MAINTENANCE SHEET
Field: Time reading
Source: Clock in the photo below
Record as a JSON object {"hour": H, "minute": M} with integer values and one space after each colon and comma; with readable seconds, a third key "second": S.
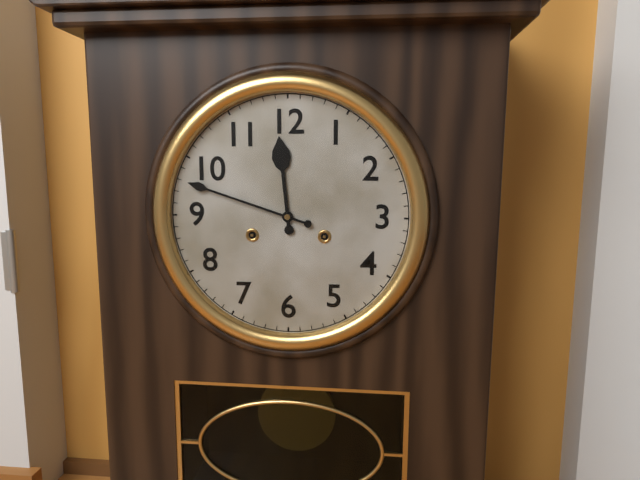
{"hour": 11, "minute": 48}
